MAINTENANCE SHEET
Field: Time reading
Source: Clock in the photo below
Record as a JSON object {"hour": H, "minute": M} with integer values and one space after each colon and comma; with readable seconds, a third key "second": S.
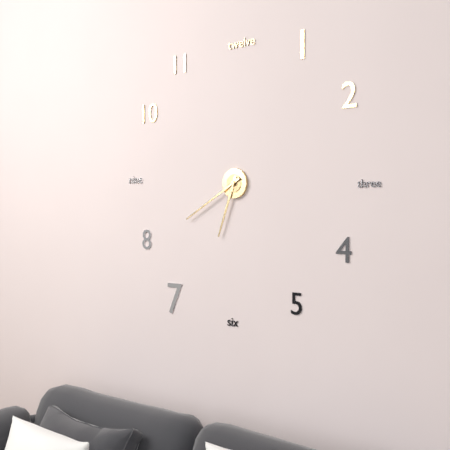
{"hour": 6, "minute": 40}
